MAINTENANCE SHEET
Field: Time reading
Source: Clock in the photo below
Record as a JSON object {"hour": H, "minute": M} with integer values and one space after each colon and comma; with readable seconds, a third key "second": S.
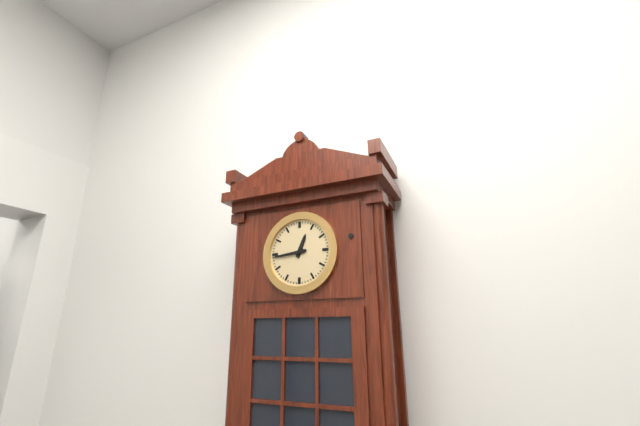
{"hour": 12, "minute": 44}
